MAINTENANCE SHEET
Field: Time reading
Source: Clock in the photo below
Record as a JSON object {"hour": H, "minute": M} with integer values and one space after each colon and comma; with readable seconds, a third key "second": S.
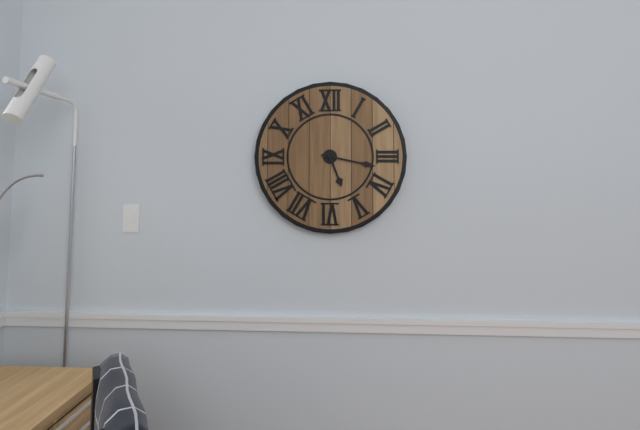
{"hour": 5, "minute": 17}
